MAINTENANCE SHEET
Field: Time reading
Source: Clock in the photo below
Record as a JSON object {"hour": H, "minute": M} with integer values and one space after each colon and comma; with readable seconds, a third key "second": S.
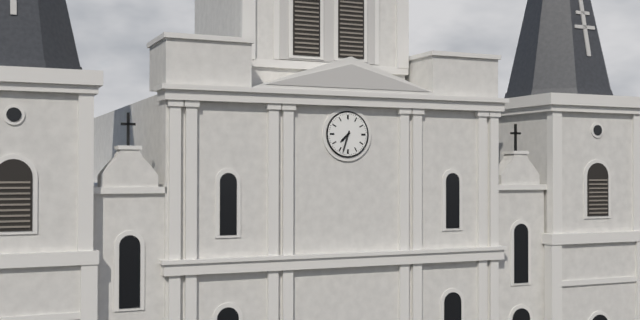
{"hour": 7, "minute": 33}
